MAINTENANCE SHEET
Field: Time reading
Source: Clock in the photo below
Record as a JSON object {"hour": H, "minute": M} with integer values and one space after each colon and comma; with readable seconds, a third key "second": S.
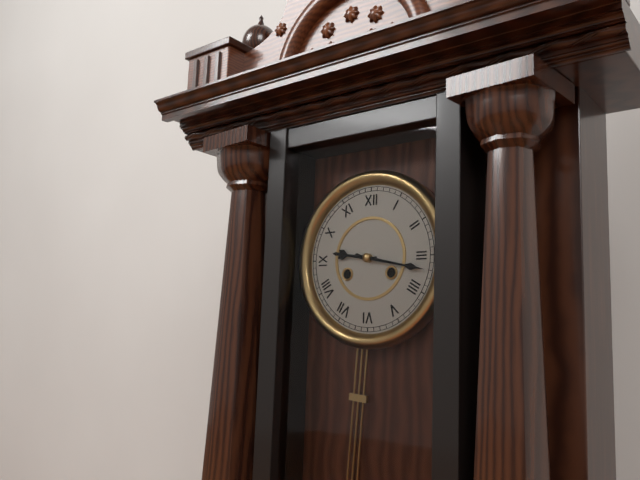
{"hour": 9, "minute": 17}
